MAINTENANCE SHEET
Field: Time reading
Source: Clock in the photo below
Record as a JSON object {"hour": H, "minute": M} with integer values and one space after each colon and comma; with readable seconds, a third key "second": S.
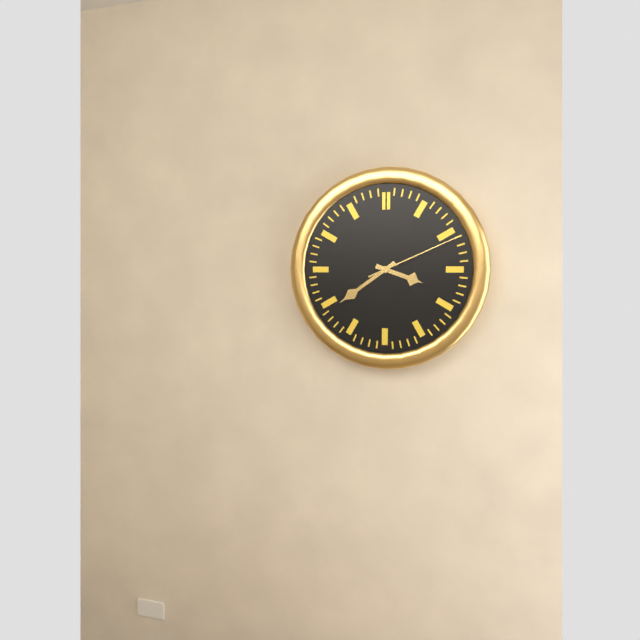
{"hour": 3, "minute": 39, "second": 11}
